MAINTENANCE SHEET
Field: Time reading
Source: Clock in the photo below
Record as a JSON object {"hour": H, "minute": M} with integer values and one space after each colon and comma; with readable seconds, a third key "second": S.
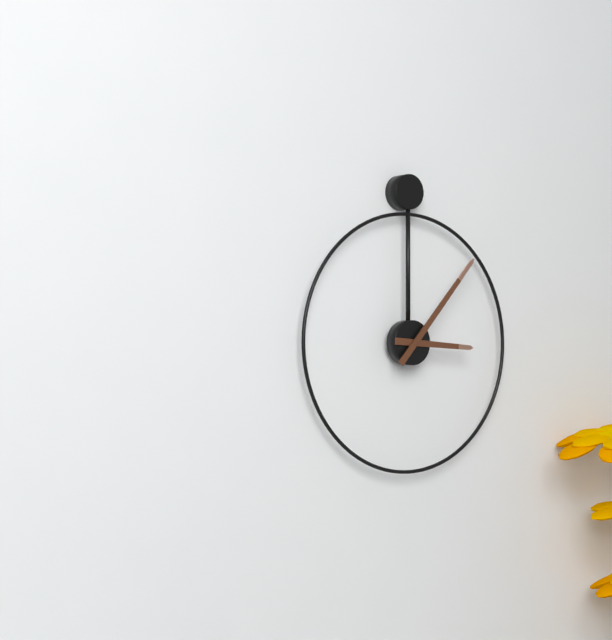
{"hour": 3, "minute": 7}
